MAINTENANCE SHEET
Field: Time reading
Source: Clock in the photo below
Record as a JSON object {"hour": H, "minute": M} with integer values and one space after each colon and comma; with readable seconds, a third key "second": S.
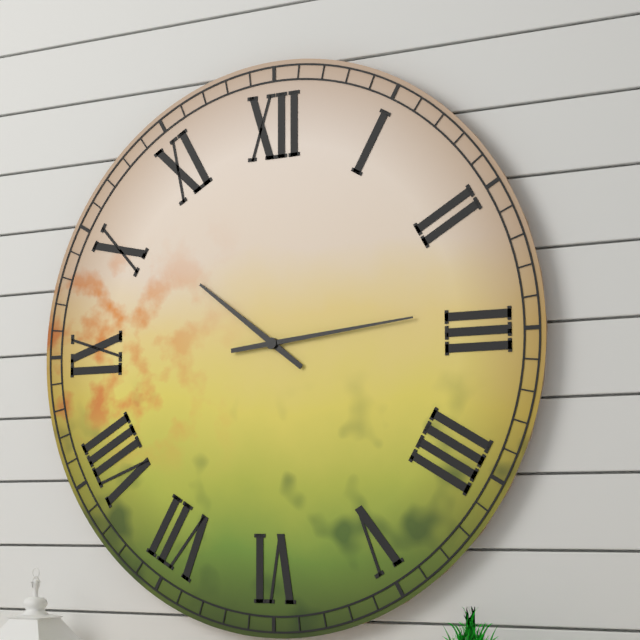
{"hour": 10, "minute": 14}
